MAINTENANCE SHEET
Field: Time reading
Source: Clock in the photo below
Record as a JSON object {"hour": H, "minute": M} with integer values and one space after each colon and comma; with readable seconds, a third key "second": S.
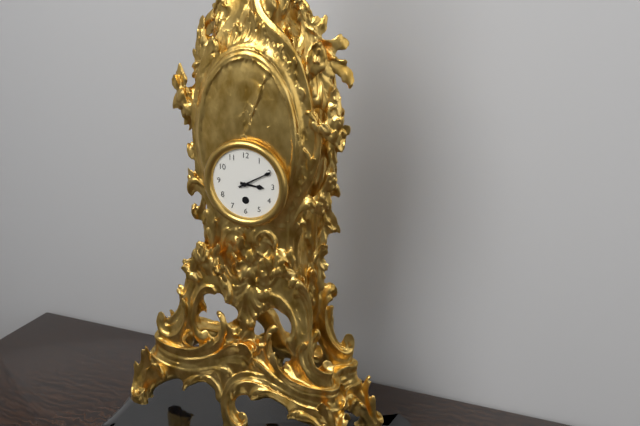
{"hour": 3, "minute": 10}
